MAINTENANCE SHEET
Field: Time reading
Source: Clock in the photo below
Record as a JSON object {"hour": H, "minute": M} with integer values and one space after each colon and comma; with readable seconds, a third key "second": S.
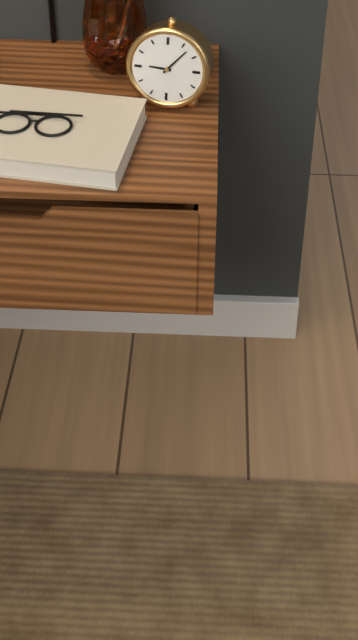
{"hour": 9, "minute": 7}
